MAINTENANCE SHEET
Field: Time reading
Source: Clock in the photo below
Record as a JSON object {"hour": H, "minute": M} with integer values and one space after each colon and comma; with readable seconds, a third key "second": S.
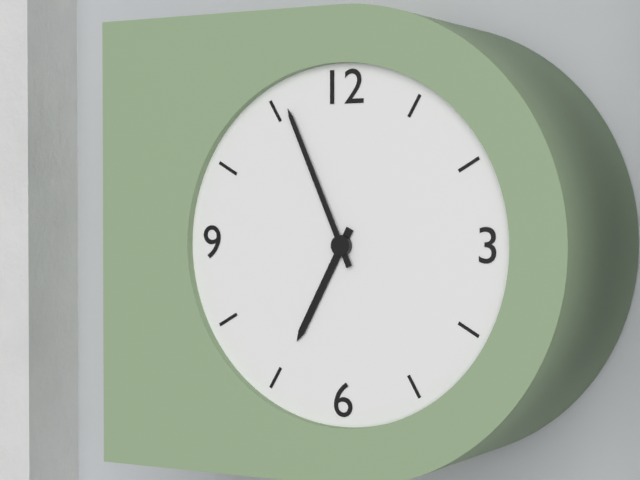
{"hour": 6, "minute": 56}
